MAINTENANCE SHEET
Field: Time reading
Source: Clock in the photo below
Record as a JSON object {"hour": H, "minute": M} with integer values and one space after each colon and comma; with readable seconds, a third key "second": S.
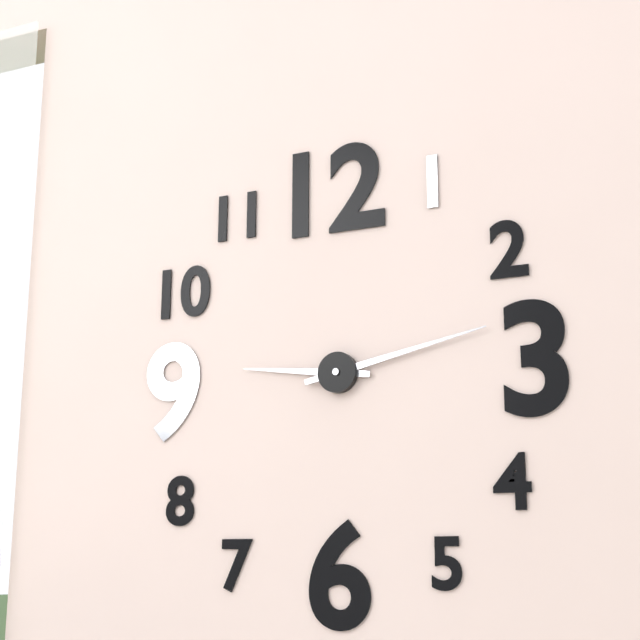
{"hour": 9, "minute": 13}
